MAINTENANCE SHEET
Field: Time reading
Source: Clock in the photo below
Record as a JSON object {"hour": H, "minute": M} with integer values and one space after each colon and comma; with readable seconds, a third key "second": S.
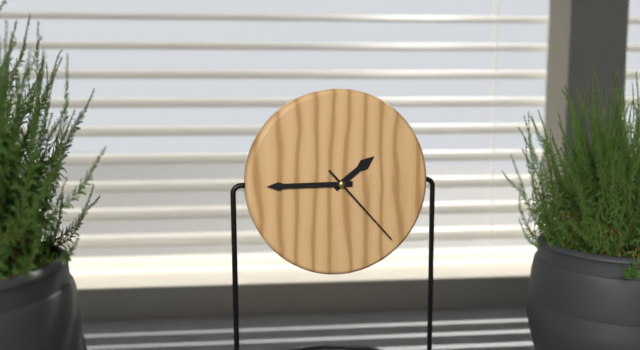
{"hour": 1, "minute": 45, "second": 23}
